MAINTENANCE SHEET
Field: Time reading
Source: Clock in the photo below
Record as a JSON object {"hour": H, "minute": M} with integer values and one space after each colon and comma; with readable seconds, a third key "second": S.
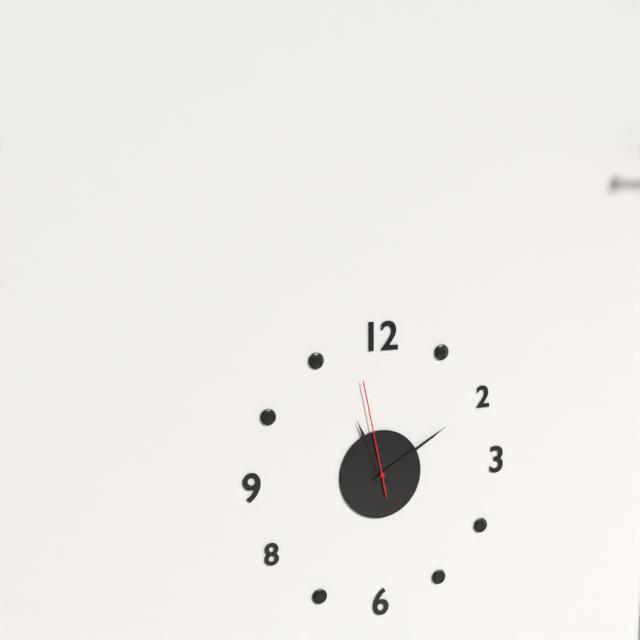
{"hour": 11, "minute": 10, "second": 58}
